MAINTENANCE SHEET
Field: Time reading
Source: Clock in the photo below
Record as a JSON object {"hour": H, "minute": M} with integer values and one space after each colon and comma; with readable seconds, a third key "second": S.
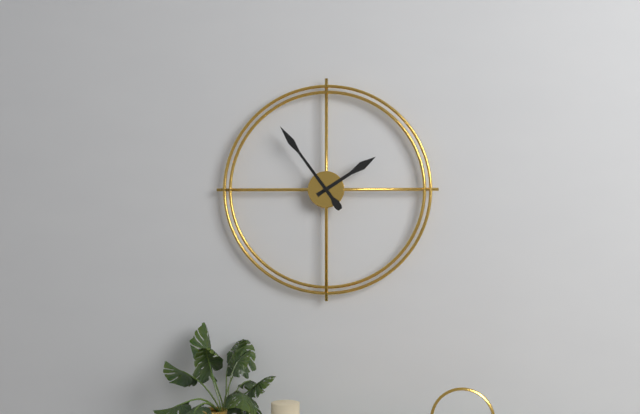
{"hour": 1, "minute": 54}
